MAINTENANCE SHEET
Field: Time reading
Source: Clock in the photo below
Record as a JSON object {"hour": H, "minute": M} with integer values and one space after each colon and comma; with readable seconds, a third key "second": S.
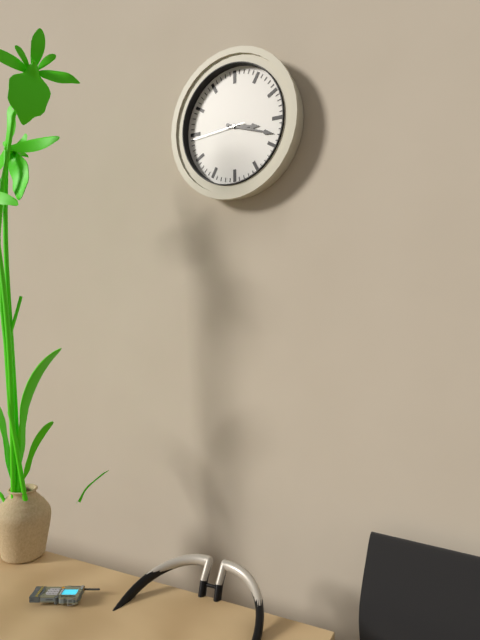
{"hour": 3, "minute": 18, "second": 44}
